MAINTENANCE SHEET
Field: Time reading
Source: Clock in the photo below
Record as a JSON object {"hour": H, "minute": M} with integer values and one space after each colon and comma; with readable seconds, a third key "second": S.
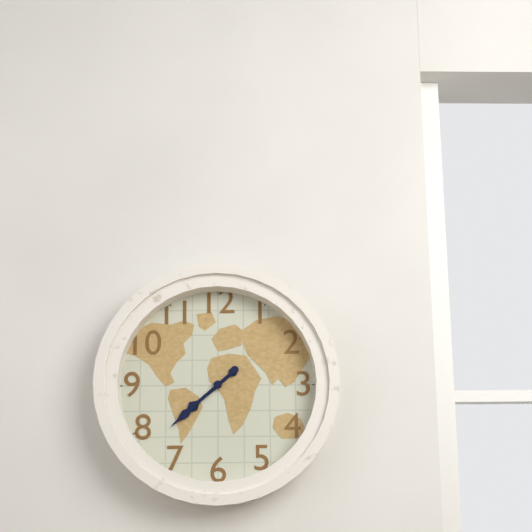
{"hour": 7, "minute": 38}
